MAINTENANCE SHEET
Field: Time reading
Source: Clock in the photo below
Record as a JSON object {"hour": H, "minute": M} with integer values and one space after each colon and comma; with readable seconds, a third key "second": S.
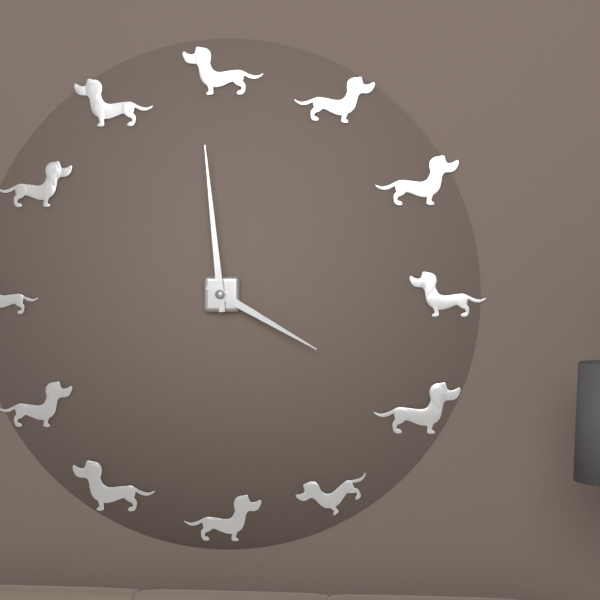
{"hour": 3, "minute": 59}
